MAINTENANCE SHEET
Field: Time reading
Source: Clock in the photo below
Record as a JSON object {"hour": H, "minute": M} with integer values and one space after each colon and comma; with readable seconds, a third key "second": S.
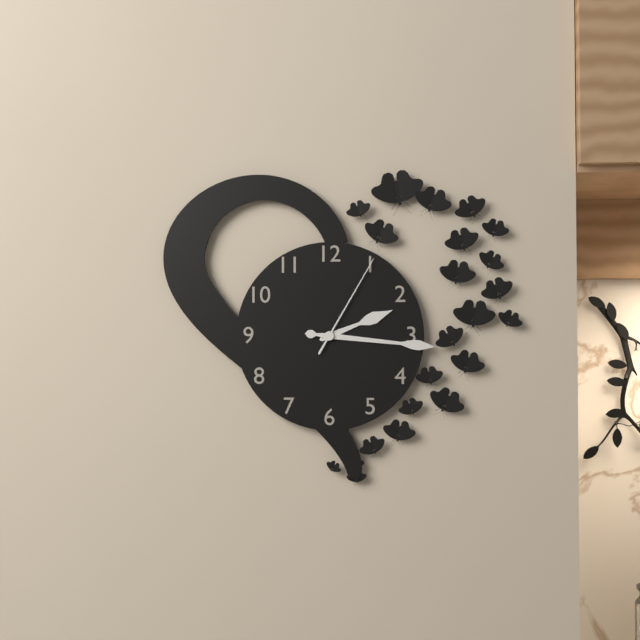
{"hour": 2, "minute": 16, "second": 5}
